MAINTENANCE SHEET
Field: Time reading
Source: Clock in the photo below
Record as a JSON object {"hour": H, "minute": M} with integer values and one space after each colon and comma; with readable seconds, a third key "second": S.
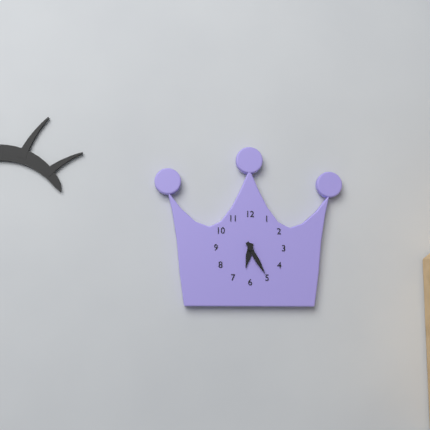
{"hour": 6, "minute": 25}
